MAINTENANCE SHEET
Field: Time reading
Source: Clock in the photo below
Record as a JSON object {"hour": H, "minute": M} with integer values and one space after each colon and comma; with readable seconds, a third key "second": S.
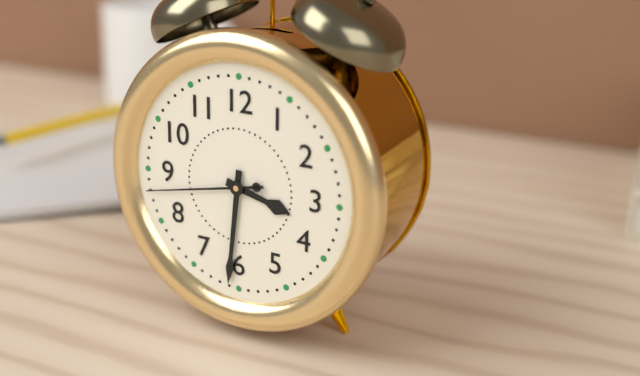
{"hour": 3, "minute": 31, "second": 43}
